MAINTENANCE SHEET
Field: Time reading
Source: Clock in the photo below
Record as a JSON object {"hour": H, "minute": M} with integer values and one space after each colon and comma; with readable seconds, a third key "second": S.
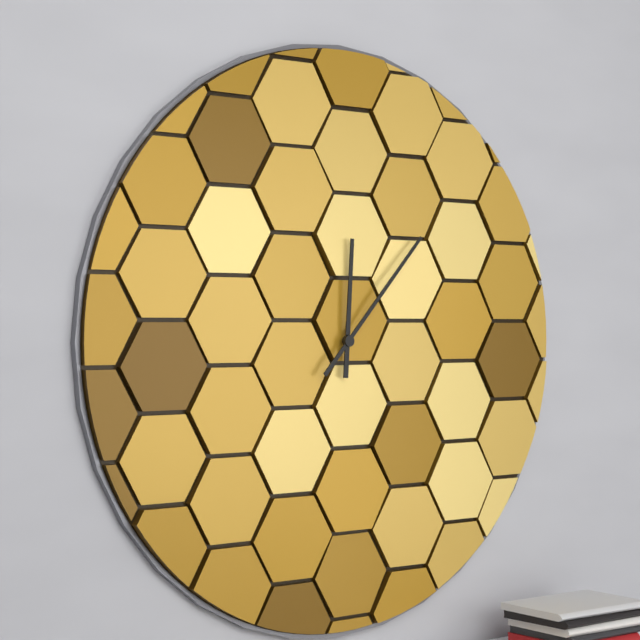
{"hour": 12, "minute": 7}
